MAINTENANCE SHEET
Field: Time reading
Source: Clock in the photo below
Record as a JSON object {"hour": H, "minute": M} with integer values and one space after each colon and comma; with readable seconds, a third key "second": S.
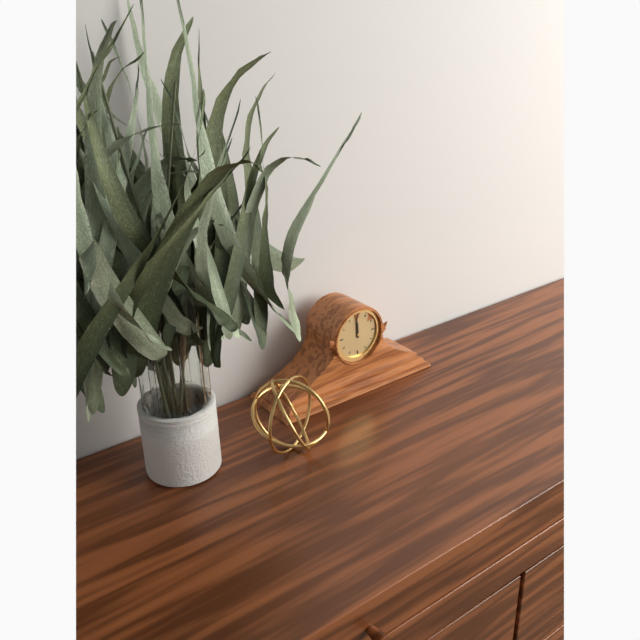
{"hour": 11, "minute": 59}
